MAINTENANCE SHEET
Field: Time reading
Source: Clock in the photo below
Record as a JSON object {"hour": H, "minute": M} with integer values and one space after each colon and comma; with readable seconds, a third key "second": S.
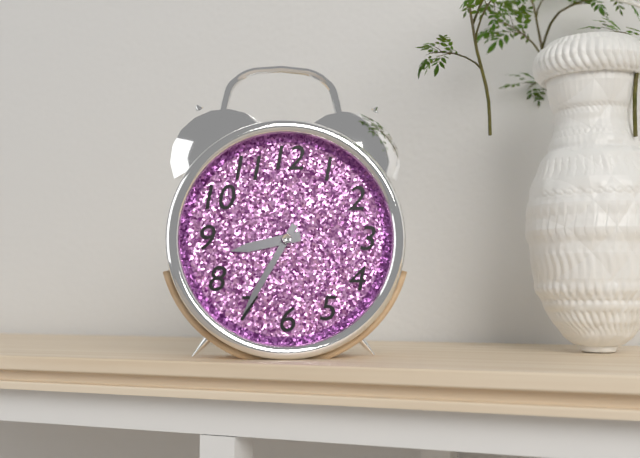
{"hour": 8, "minute": 35}
